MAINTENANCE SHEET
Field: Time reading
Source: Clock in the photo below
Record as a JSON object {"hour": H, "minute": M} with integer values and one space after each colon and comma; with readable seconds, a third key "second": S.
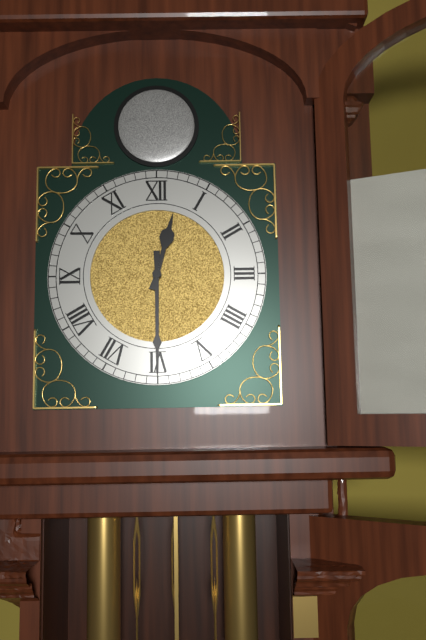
{"hour": 12, "minute": 30}
